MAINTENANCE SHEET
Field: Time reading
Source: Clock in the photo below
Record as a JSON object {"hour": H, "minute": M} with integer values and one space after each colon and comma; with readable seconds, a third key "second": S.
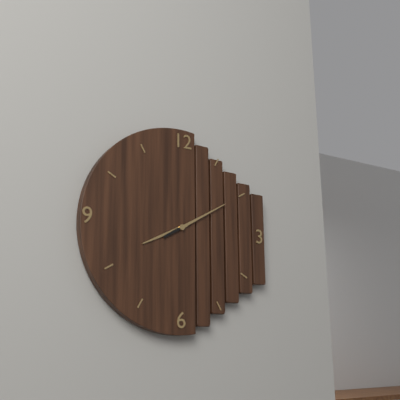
{"hour": 8, "minute": 10}
